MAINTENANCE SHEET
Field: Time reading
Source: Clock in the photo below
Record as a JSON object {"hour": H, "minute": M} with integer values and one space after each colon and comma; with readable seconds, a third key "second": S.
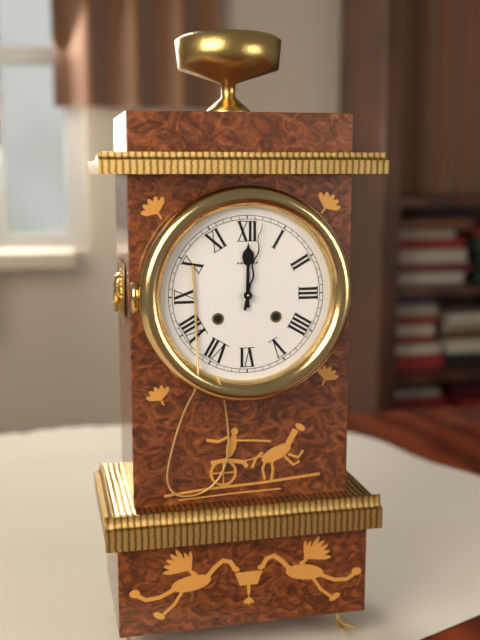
{"hour": 12, "minute": 2}
